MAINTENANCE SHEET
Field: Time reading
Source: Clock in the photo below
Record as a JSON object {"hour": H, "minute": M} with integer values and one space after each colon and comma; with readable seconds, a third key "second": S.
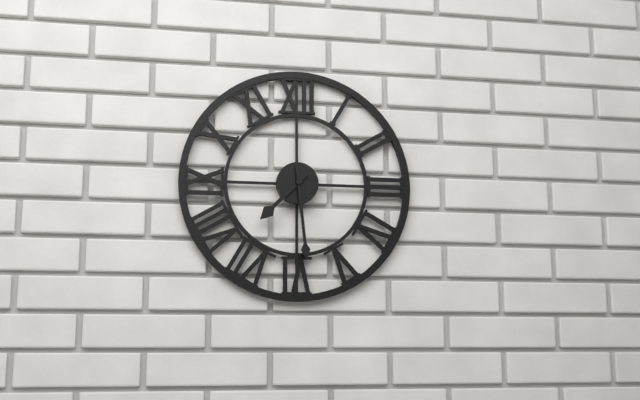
{"hour": 7, "minute": 29}
